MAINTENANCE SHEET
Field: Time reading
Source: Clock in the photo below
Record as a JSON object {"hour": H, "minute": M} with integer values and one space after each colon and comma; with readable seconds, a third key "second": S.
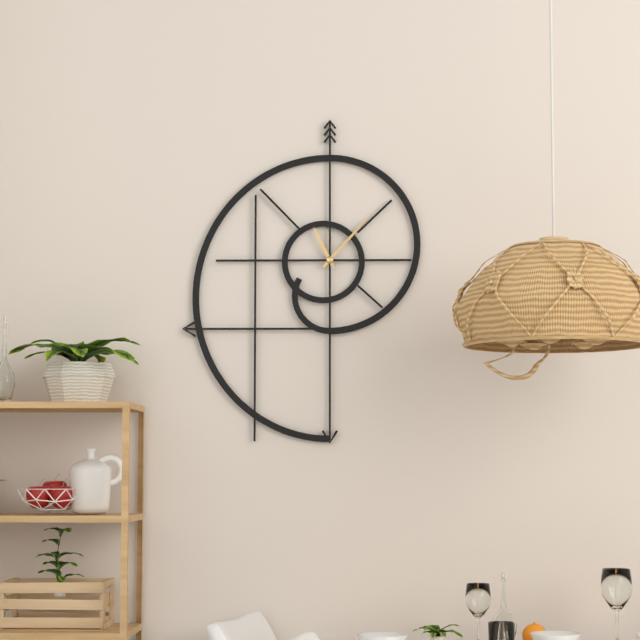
{"hour": 11, "minute": 7}
